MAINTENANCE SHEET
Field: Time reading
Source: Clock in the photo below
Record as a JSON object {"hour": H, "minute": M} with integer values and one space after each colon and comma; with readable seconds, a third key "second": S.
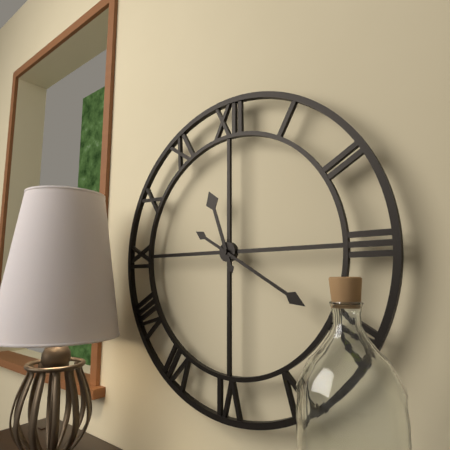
{"hour": 11, "minute": 20}
